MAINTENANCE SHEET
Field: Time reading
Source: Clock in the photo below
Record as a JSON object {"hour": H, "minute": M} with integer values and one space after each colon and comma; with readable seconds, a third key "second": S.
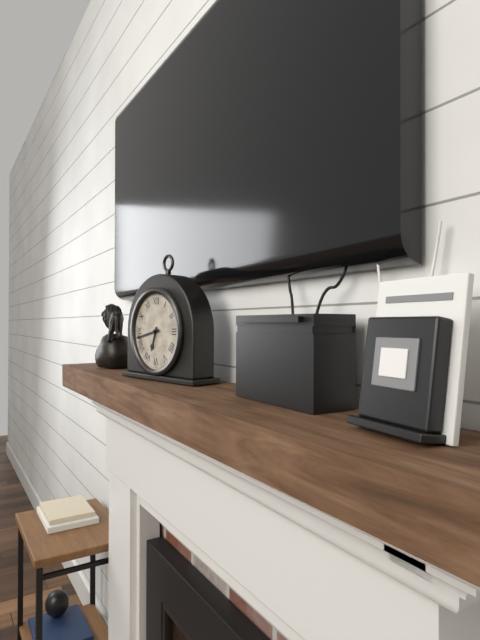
{"hour": 6, "minute": 43}
